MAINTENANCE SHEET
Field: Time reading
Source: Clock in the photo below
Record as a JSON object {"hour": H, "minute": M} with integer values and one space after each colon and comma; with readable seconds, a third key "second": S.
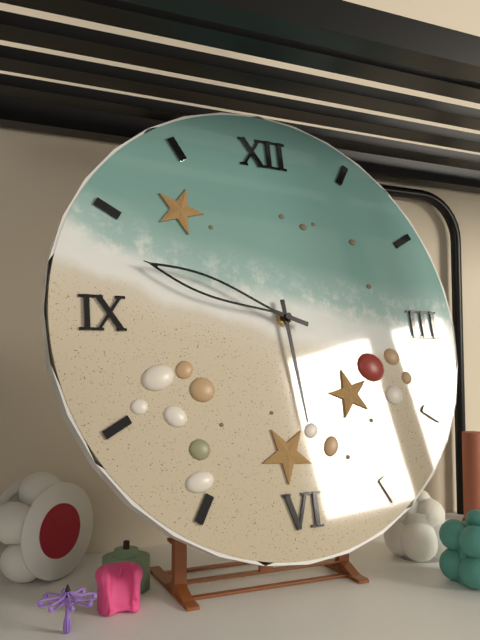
{"hour": 5, "minute": 48}
